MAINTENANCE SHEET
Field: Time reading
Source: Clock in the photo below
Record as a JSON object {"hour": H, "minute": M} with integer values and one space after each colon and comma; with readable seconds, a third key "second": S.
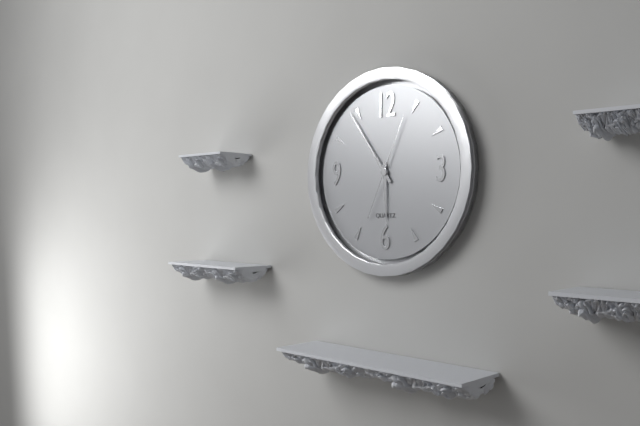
{"hour": 5, "minute": 54, "second": 4}
